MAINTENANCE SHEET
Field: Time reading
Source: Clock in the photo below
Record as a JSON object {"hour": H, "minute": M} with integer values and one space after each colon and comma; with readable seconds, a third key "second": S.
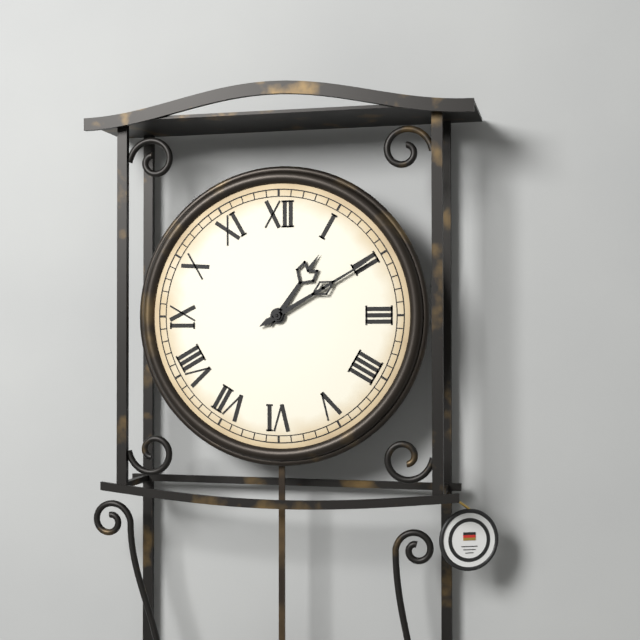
{"hour": 1, "minute": 10}
